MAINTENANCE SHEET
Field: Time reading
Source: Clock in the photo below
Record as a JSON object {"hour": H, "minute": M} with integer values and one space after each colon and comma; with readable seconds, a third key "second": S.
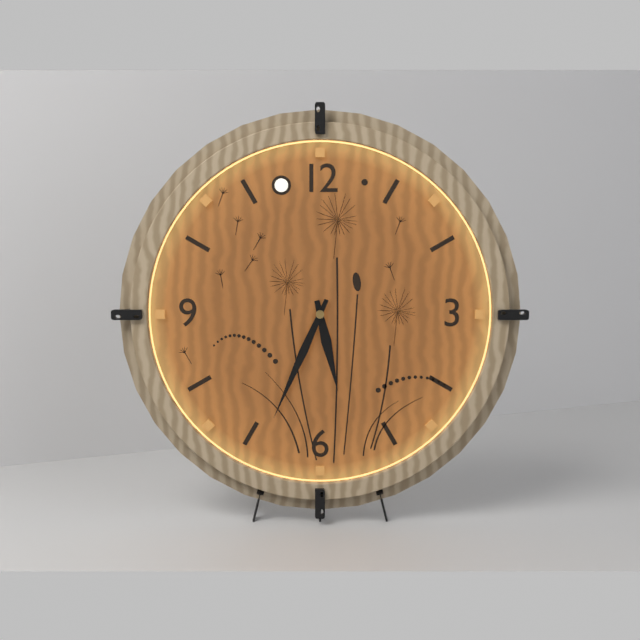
{"hour": 5, "minute": 34}
